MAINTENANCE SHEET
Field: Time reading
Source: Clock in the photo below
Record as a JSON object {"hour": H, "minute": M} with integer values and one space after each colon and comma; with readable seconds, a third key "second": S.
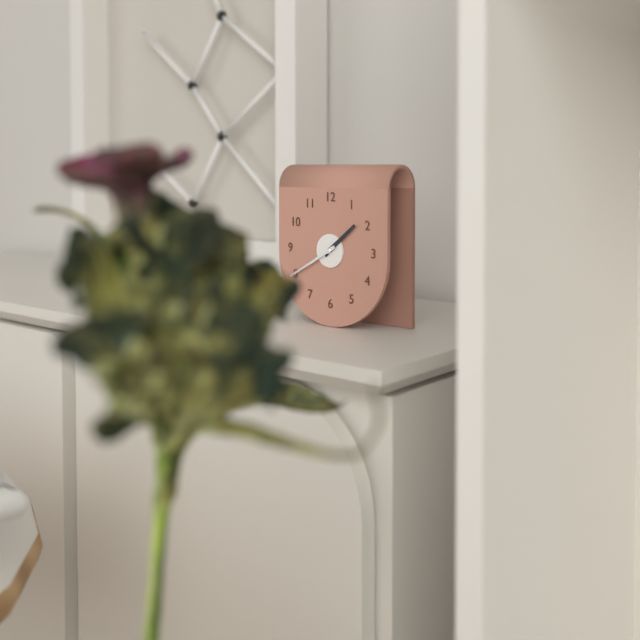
{"hour": 1, "minute": 40}
